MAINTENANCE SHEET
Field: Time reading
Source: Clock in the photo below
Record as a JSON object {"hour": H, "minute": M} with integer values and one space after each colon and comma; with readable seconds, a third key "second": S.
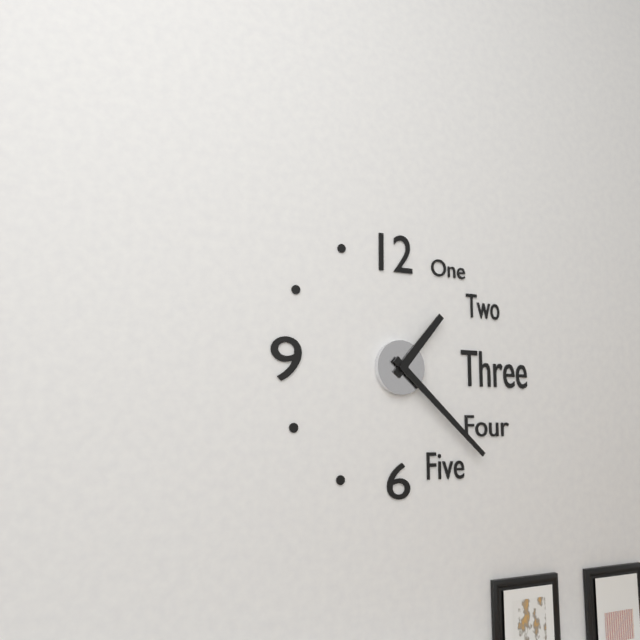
{"hour": 1, "minute": 22}
